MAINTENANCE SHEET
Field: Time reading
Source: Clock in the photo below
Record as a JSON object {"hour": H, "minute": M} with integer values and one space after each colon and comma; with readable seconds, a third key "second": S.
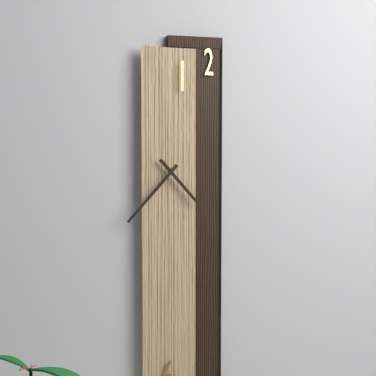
{"hour": 4, "minute": 37}
